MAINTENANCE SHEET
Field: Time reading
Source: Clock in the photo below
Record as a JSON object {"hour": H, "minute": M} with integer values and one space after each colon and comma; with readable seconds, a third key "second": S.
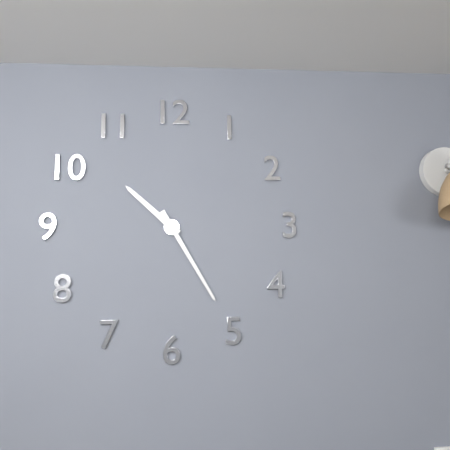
{"hour": 10, "minute": 25}
